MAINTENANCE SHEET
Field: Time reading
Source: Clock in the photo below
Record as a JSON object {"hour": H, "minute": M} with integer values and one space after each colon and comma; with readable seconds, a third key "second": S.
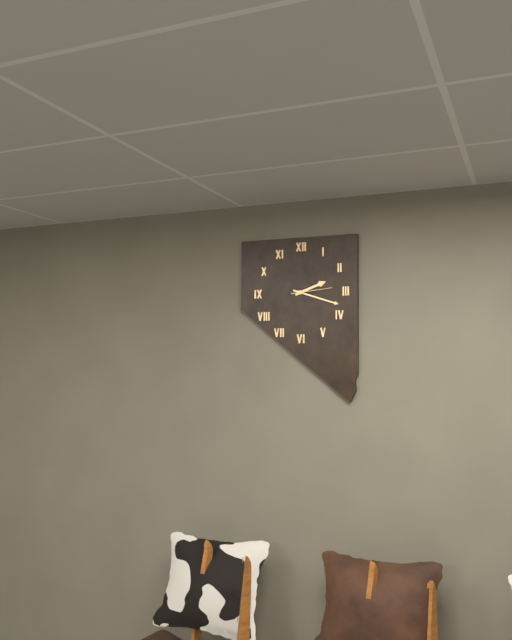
{"hour": 2, "minute": 18}
